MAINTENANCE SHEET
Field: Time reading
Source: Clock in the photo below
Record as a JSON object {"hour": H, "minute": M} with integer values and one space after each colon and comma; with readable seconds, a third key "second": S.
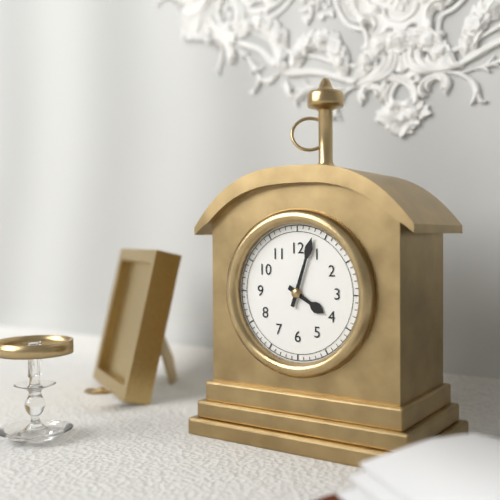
{"hour": 4, "minute": 3}
